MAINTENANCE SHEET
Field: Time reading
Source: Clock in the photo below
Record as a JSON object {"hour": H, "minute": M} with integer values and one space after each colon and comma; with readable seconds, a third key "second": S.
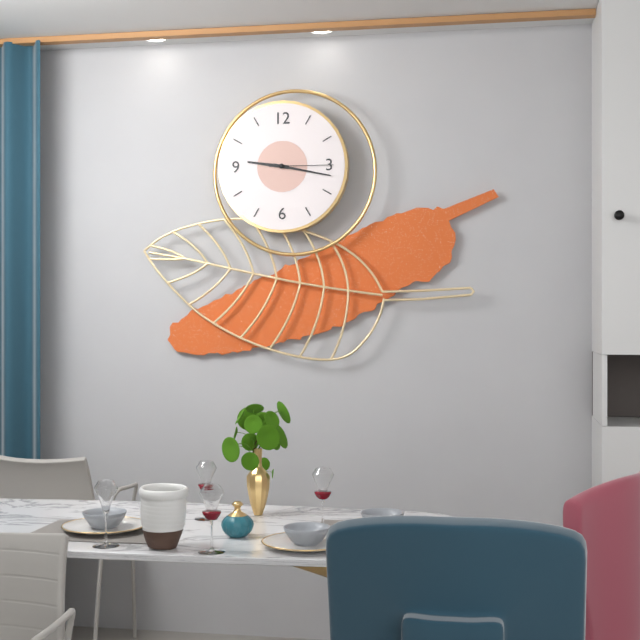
{"hour": 9, "minute": 17, "second": 15}
